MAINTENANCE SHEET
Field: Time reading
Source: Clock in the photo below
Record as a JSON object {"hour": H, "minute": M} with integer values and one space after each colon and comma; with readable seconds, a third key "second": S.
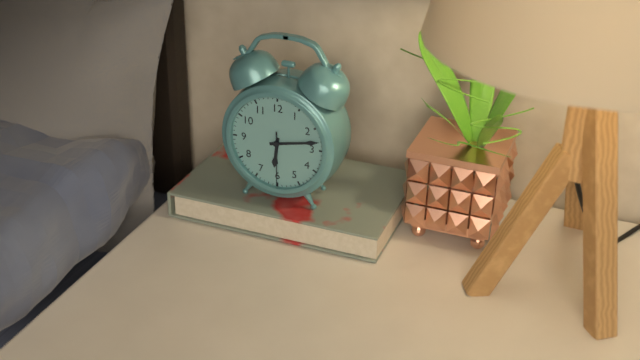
{"hour": 6, "minute": 13, "second": 30}
